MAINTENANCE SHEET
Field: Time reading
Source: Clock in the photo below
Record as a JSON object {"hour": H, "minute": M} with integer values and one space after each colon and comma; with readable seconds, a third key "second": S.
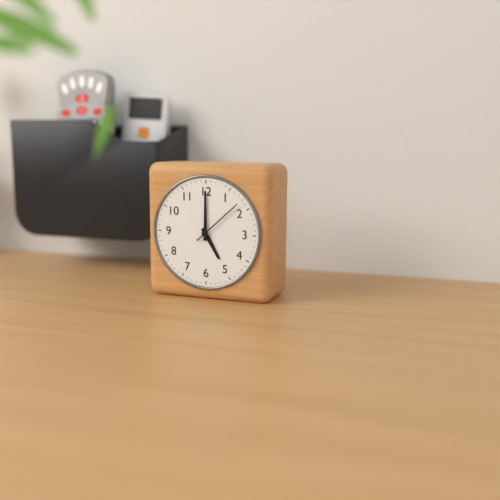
{"hour": 5, "minute": 0, "second": 8}
